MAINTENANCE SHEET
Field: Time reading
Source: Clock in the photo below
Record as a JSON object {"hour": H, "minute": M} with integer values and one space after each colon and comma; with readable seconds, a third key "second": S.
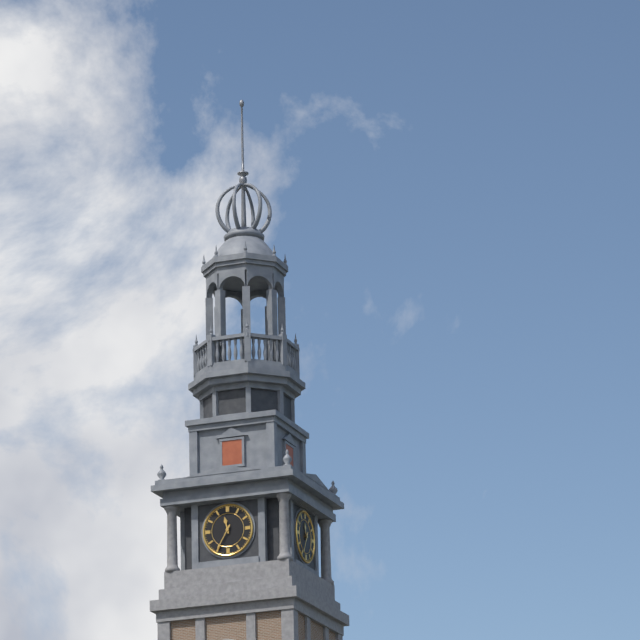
{"hour": 11, "minute": 35}
